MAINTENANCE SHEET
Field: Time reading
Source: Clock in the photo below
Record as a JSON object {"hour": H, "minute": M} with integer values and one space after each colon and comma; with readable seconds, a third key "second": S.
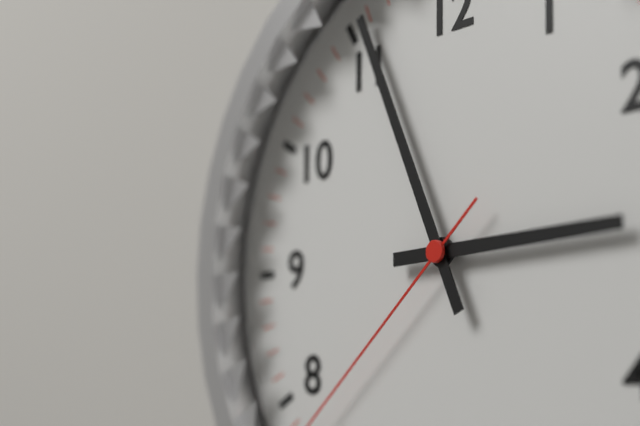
{"hour": 2, "minute": 56}
